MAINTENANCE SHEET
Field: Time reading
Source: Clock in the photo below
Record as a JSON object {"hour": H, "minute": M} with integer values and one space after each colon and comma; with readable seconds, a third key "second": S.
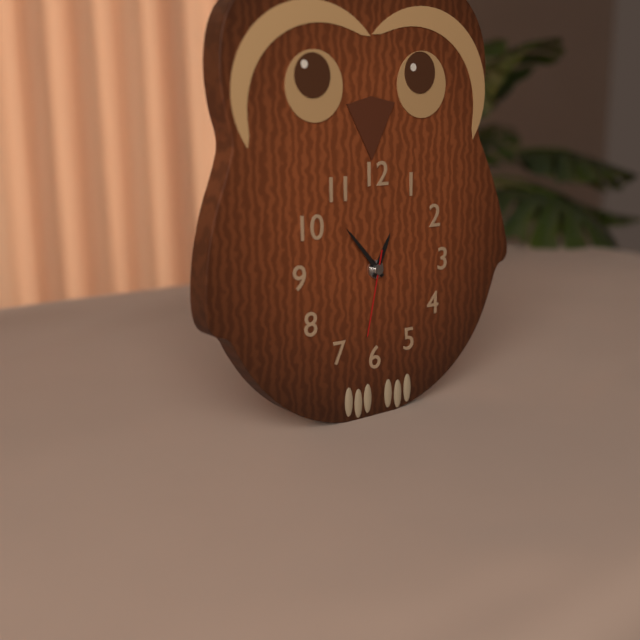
{"hour": 12, "minute": 53, "second": 32}
